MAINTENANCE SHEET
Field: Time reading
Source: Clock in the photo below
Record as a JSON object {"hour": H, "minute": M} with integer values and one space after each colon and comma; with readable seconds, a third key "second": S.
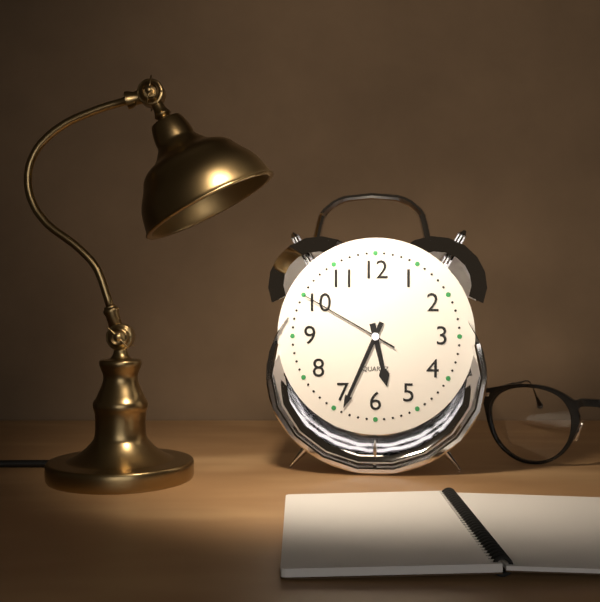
{"hour": 5, "minute": 34, "second": 50}
